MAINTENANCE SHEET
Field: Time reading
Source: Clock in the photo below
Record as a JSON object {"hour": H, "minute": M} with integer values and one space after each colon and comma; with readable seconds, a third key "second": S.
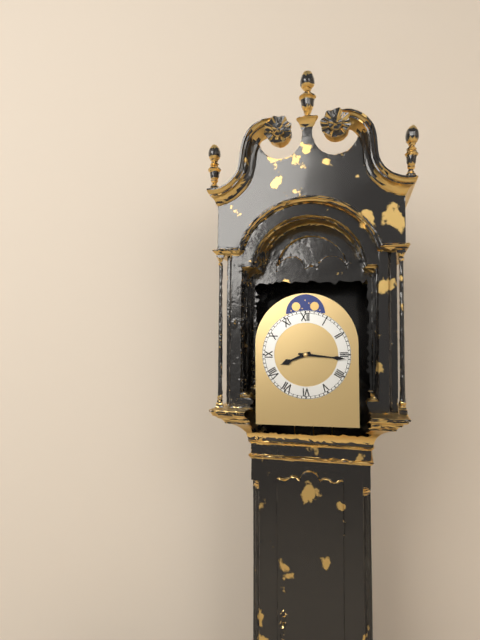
{"hour": 8, "minute": 16}
